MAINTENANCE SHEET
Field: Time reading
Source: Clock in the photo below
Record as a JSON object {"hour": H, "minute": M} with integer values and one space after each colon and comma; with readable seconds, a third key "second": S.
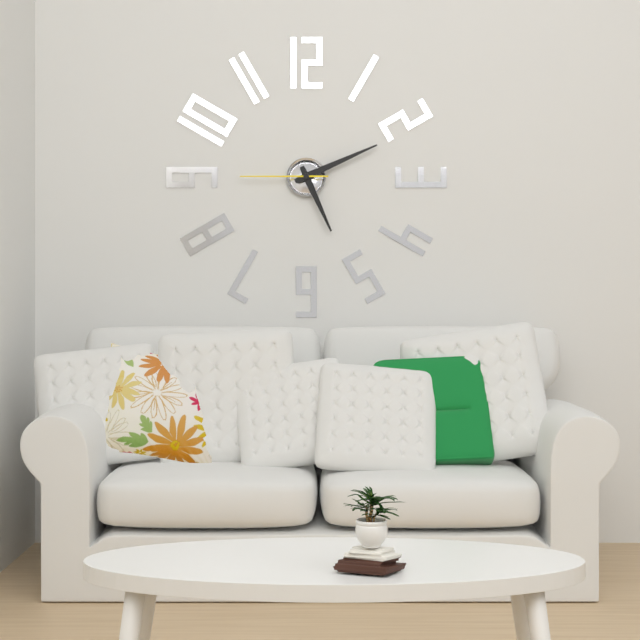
{"hour": 5, "minute": 11, "second": 45}
